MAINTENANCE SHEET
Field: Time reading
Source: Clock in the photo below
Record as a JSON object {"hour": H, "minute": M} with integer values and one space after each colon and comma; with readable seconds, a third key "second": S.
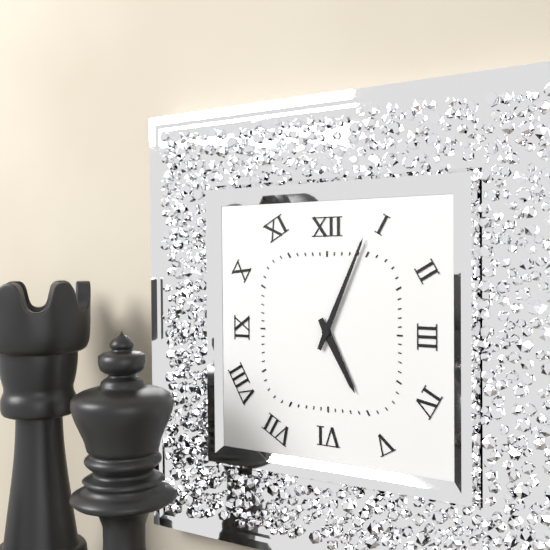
{"hour": 5, "minute": 4}
